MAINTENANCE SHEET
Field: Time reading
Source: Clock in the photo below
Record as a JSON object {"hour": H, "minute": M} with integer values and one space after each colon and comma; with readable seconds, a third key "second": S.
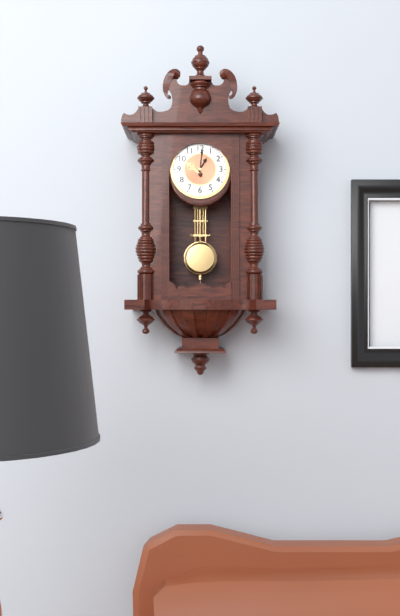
{"hour": 1, "minute": 1}
